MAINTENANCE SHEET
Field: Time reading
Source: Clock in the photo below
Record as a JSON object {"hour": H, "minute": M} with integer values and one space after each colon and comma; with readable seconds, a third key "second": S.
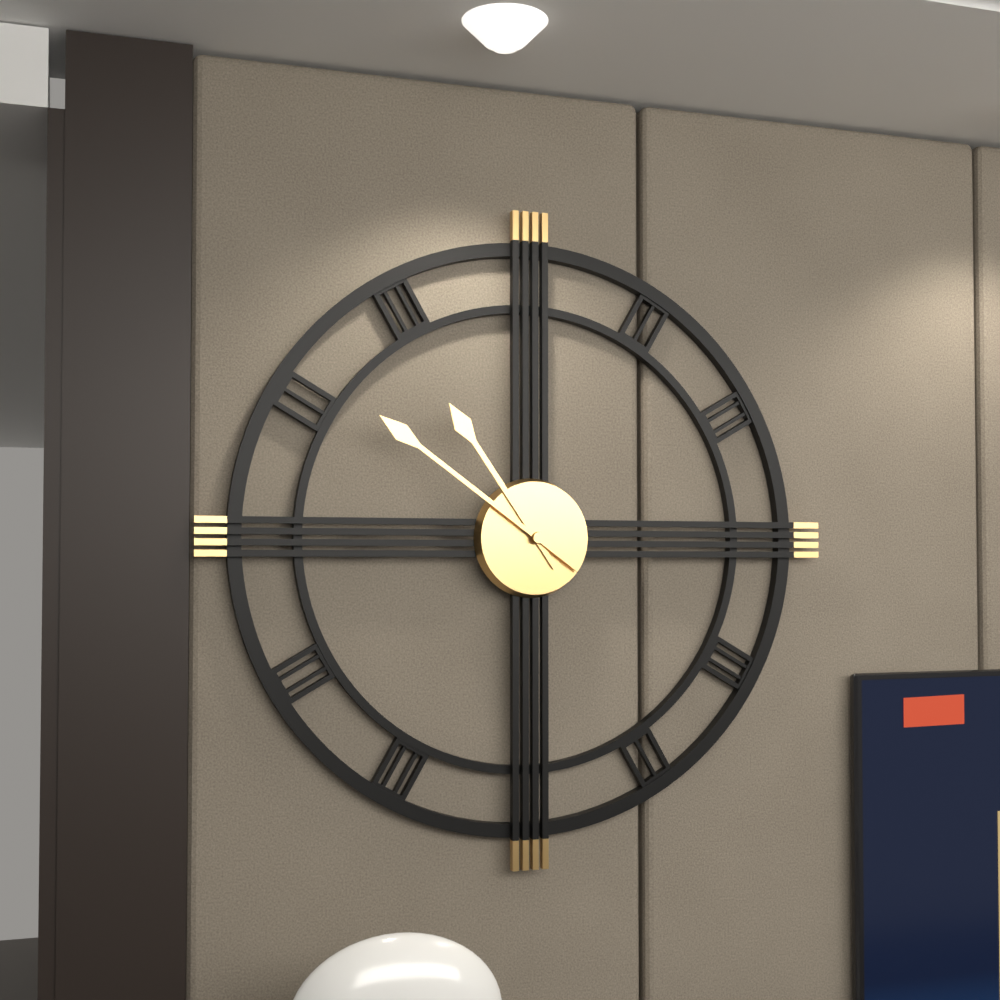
{"hour": 10, "minute": 51}
